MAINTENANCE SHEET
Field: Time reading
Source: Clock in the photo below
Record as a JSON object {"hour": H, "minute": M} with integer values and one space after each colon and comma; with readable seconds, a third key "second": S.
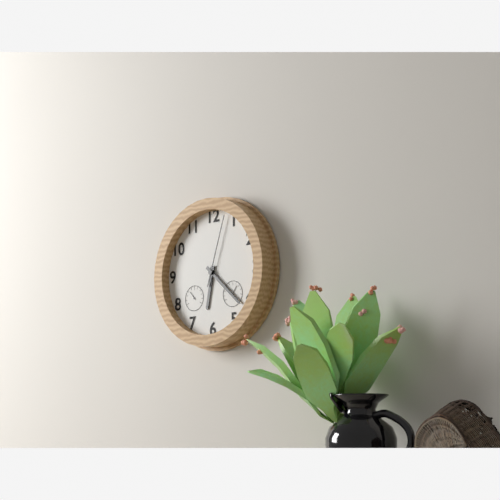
{"hour": 6, "minute": 22, "second": 3}
